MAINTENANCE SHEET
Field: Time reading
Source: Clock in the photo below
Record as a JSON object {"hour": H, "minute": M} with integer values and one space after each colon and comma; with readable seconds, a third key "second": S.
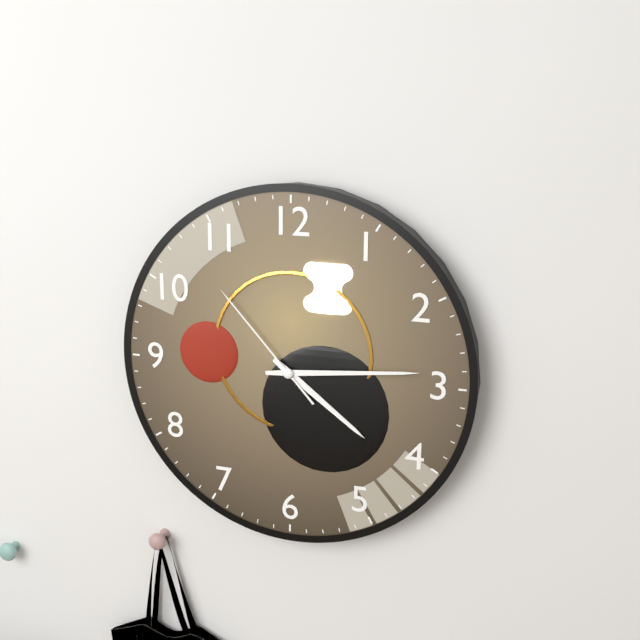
{"hour": 4, "minute": 14, "second": 53}
